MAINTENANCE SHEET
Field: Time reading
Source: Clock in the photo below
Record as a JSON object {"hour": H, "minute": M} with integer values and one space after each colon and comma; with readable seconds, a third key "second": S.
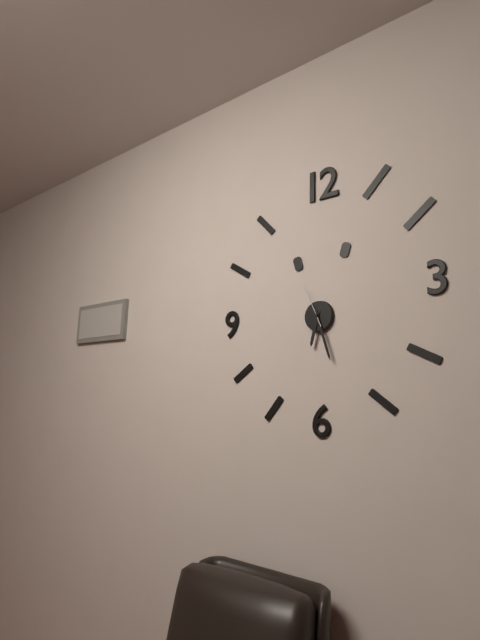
{"hour": 6, "minute": 27}
